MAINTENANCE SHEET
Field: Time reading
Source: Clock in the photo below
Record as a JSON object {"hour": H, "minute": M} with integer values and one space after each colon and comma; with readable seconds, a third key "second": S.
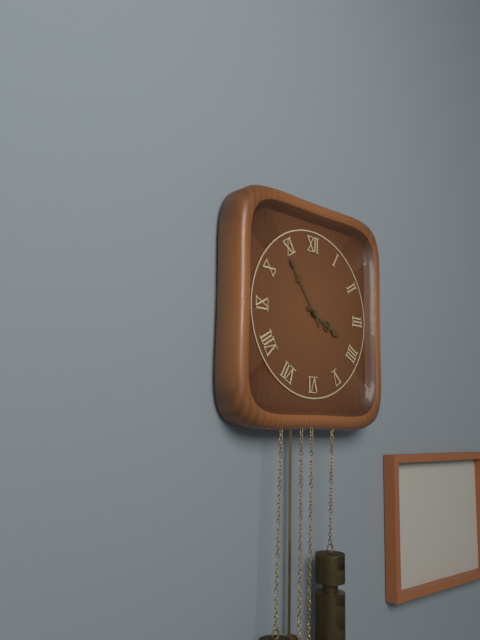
{"hour": 3, "minute": 54}
